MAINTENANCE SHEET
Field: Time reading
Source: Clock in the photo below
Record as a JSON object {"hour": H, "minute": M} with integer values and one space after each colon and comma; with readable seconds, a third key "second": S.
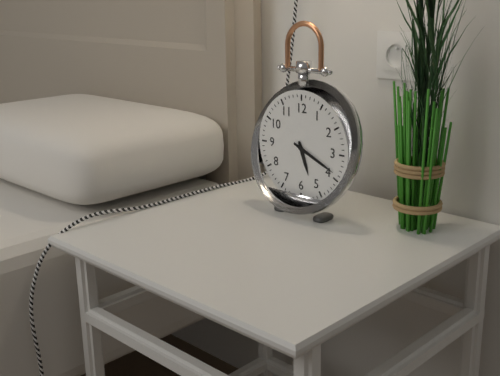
{"hour": 5, "minute": 19}
